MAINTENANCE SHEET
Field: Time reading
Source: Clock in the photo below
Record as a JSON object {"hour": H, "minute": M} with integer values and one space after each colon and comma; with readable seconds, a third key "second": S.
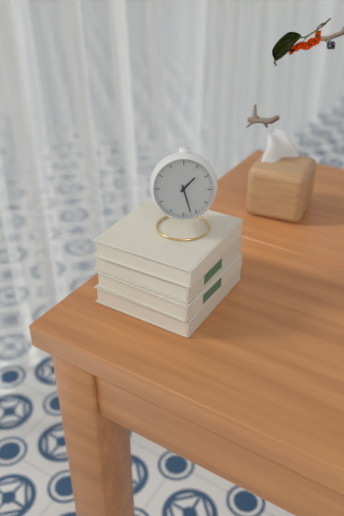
{"hour": 1, "minute": 27}
